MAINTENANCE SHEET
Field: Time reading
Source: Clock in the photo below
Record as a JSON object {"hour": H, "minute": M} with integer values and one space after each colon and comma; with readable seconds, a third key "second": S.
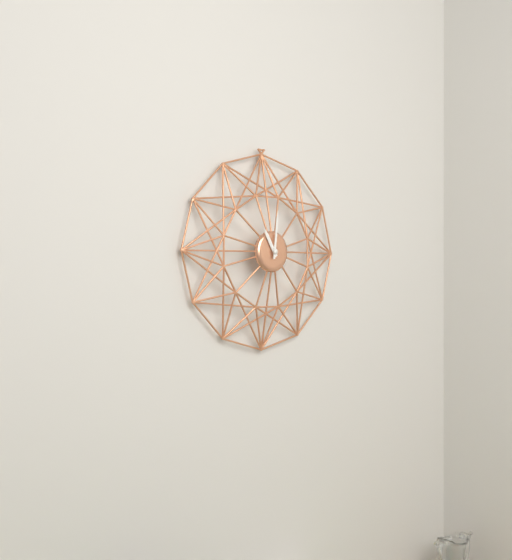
{"hour": 11, "minute": 1}
